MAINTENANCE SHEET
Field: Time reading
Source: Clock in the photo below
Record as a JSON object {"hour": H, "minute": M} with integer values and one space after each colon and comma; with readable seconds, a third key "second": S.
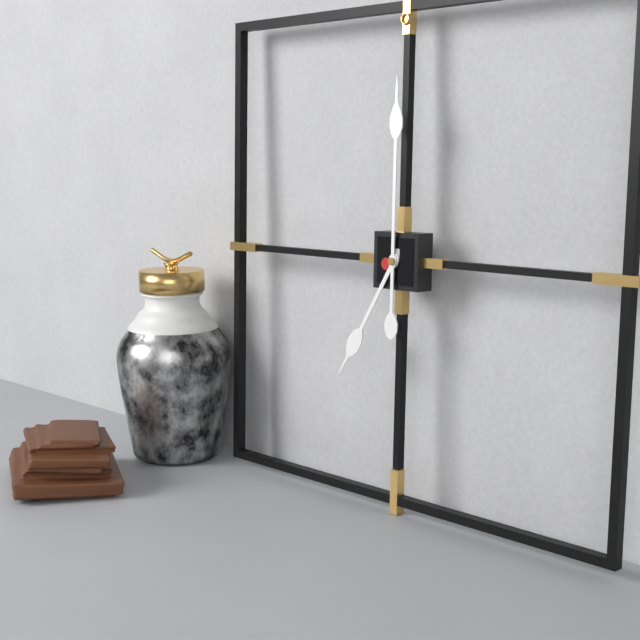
{"hour": 7, "minute": 0}
